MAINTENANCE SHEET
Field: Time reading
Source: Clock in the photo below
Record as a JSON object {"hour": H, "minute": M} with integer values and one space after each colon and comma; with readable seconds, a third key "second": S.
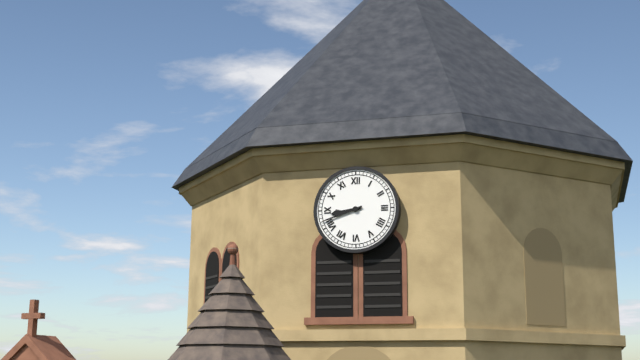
{"hour": 8, "minute": 42}
